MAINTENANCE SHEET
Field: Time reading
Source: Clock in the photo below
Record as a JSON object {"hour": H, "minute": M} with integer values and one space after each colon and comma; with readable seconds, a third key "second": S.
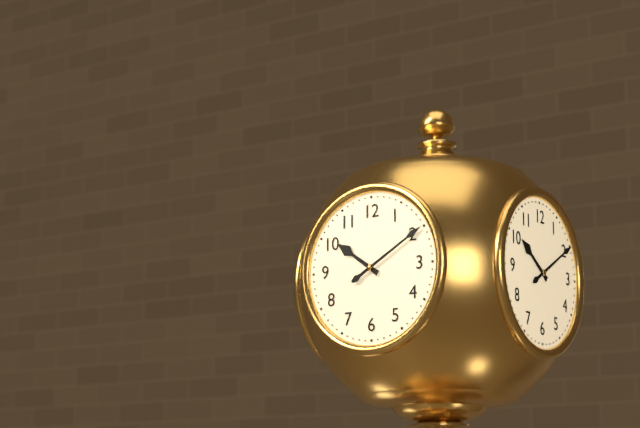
{"hour": 10, "minute": 10}
